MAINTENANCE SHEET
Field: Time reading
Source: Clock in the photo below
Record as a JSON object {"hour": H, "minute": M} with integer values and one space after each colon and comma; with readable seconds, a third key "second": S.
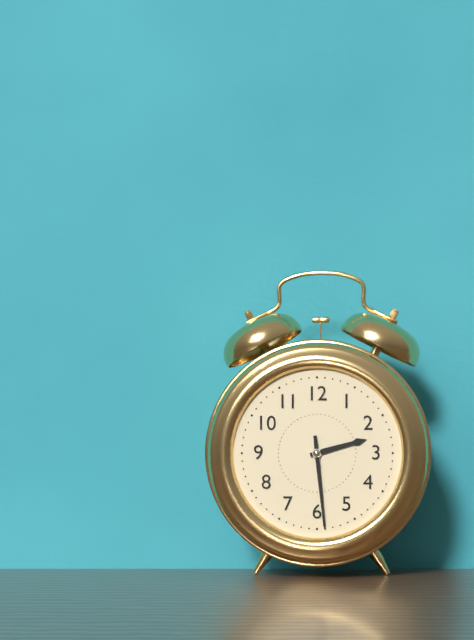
{"hour": 2, "minute": 29}
